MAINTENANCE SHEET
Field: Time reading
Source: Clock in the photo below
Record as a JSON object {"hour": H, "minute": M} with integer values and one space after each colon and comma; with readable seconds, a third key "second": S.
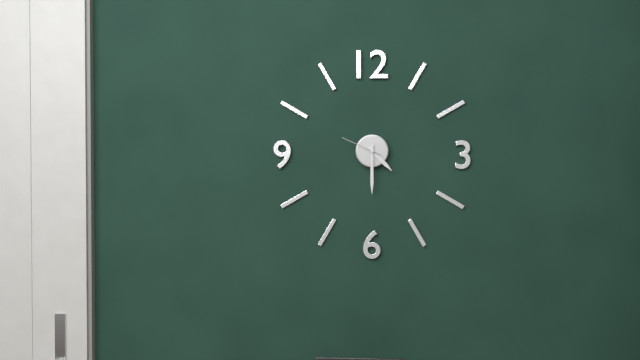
{"hour": 4, "minute": 30}
